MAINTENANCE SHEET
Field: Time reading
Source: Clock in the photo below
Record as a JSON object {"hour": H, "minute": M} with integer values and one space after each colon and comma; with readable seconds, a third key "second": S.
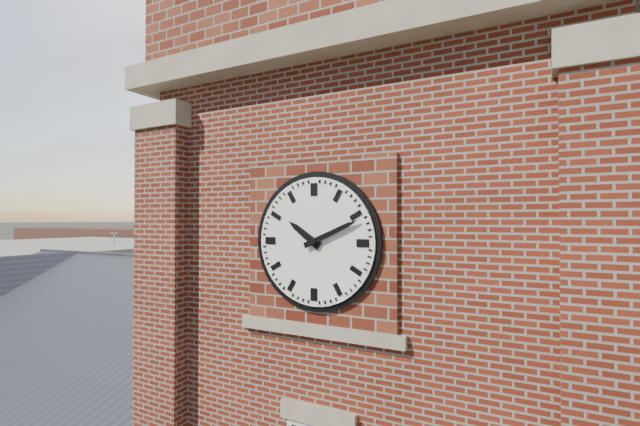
{"hour": 10, "minute": 11}
